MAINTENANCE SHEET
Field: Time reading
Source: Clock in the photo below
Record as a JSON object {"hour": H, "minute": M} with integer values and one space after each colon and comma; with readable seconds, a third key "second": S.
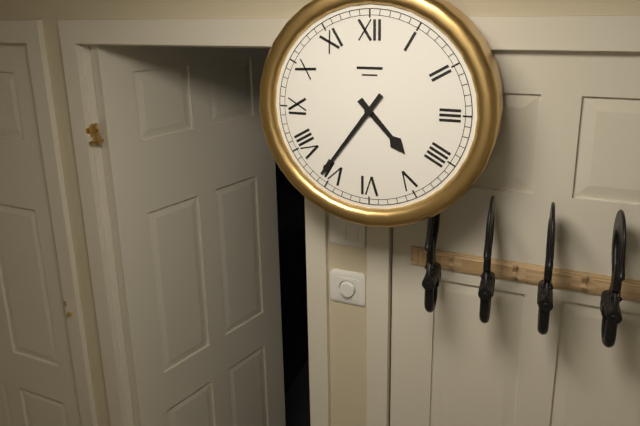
{"hour": 4, "minute": 36}
